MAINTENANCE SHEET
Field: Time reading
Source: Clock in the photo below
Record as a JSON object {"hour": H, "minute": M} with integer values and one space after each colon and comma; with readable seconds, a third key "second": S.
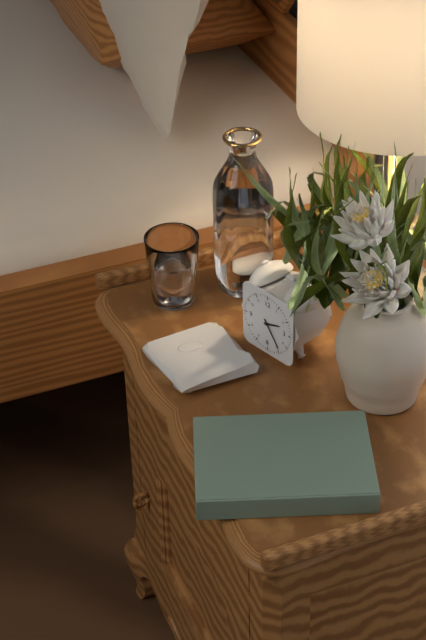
{"hour": 2, "minute": 24}
